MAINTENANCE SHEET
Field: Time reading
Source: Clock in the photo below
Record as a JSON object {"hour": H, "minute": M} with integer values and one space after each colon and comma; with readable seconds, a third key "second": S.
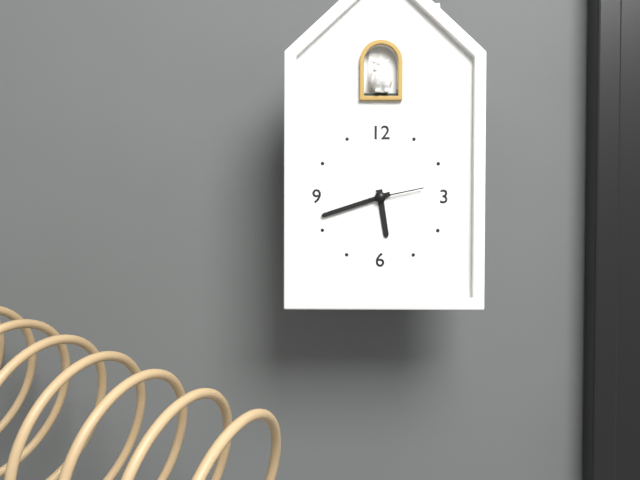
{"hour": 5, "minute": 42, "second": 13}
